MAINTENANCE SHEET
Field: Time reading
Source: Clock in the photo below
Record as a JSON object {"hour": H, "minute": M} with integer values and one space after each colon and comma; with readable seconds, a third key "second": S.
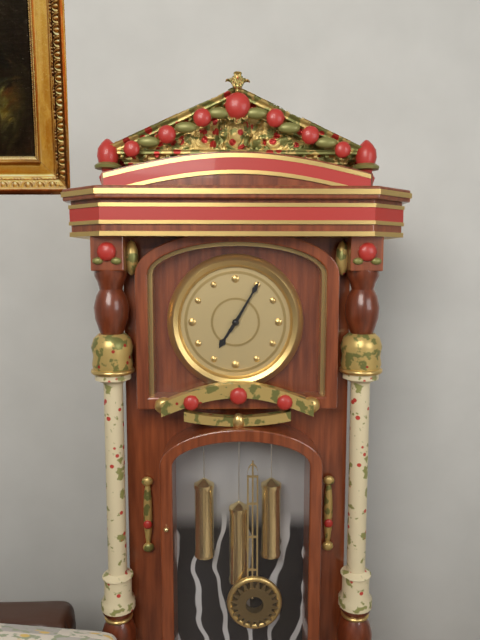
{"hour": 7, "minute": 5}
